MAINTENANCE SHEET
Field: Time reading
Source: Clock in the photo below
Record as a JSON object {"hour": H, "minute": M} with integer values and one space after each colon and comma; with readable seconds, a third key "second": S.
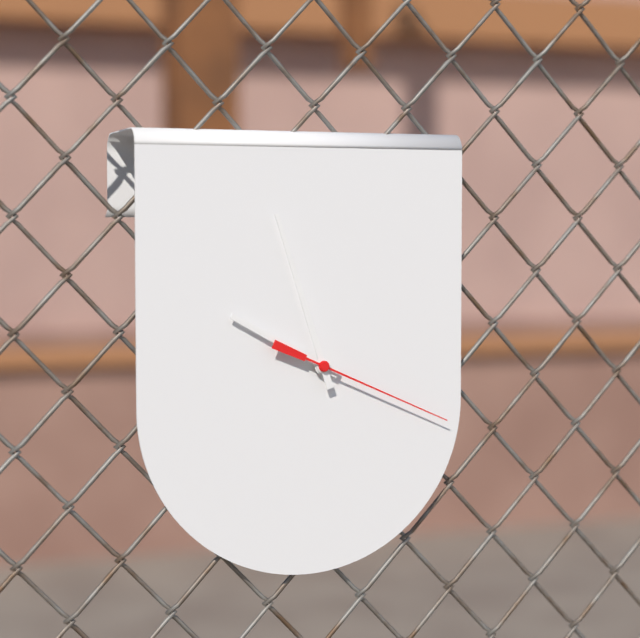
{"hour": 9, "minute": 57, "second": 19}
